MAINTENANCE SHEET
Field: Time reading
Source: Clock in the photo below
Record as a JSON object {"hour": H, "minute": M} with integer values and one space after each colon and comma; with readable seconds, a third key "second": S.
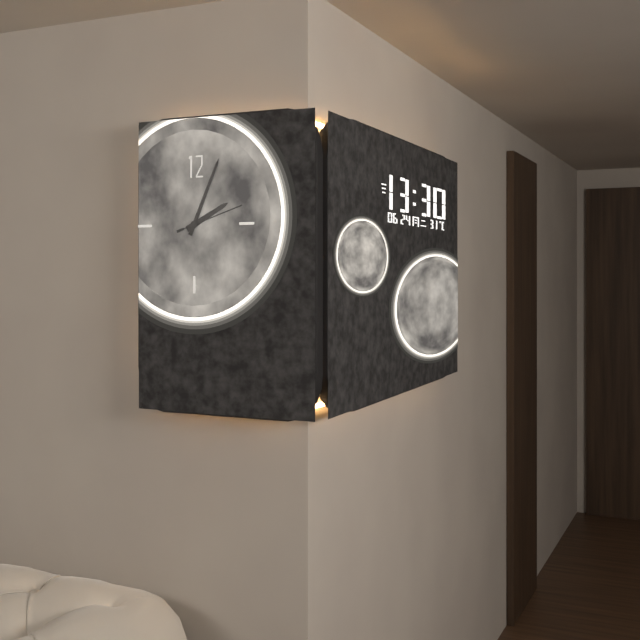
{"hour": 2, "minute": 4, "second": 12}
